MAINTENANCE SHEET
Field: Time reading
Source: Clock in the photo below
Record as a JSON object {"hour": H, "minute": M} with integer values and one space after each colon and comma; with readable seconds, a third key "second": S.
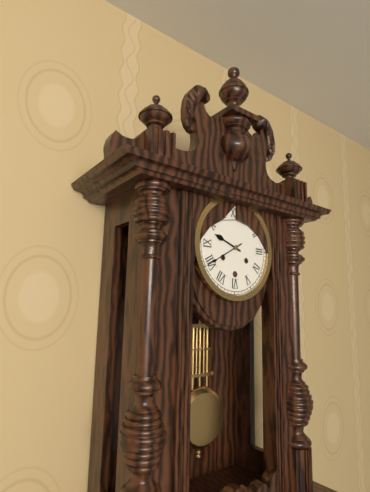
{"hour": 9, "minute": 40}
